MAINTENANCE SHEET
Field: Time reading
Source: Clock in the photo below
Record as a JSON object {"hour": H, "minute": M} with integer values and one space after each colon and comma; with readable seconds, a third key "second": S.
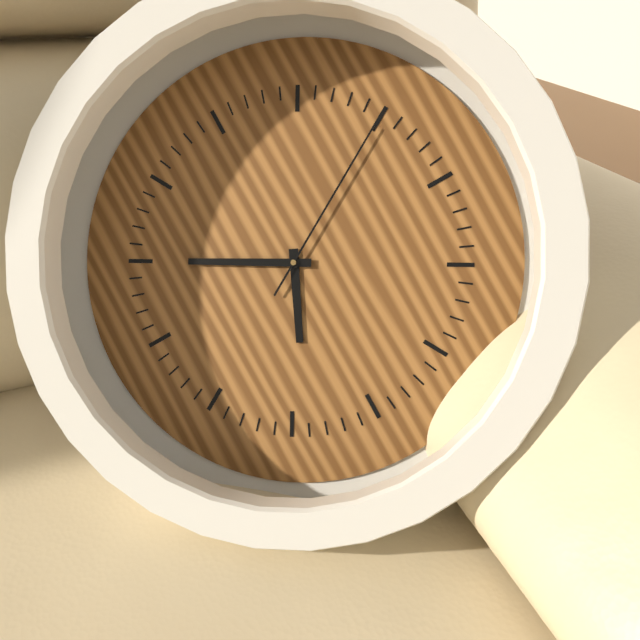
{"hour": 6, "minute": 50, "second": 10}
